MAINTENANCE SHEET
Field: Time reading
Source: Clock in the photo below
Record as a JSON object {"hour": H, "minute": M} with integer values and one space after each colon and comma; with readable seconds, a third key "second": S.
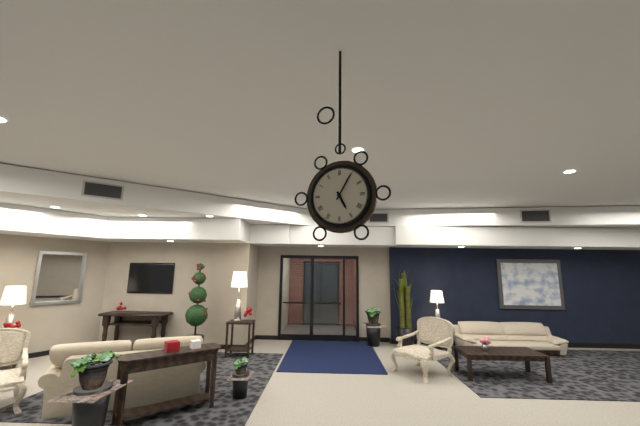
{"hour": 5, "minute": 5}
